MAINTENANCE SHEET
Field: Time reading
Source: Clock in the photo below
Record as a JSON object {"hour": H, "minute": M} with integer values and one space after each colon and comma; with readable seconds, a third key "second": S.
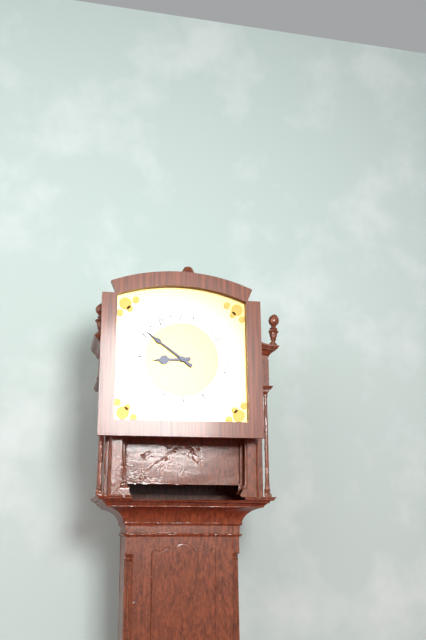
{"hour": 8, "minute": 51}
